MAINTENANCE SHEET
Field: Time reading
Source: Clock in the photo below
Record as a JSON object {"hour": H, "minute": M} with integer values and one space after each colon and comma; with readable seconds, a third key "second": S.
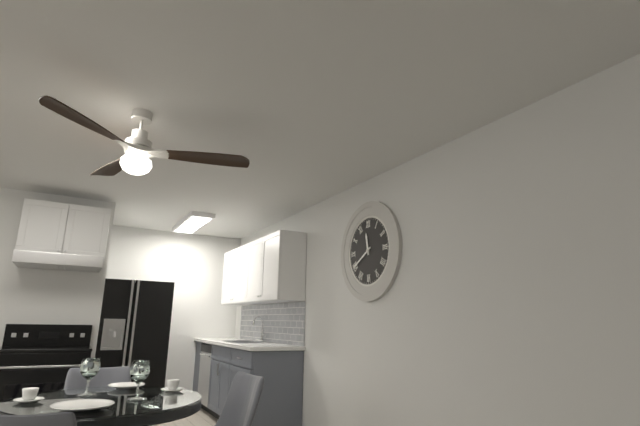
{"hour": 11, "minute": 40}
